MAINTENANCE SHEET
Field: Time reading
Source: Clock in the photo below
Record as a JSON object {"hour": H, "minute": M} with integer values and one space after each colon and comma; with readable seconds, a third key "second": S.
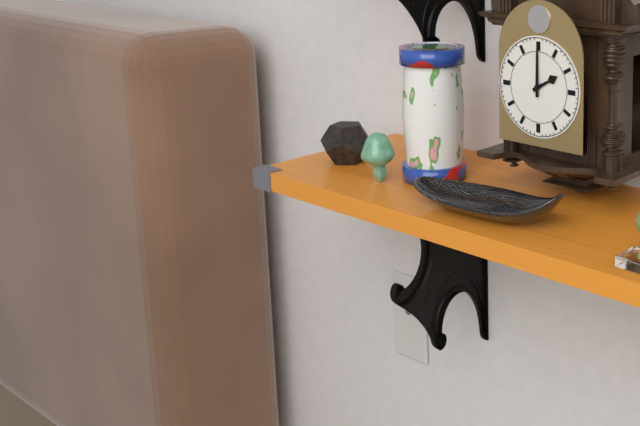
{"hour": 2, "minute": 0}
